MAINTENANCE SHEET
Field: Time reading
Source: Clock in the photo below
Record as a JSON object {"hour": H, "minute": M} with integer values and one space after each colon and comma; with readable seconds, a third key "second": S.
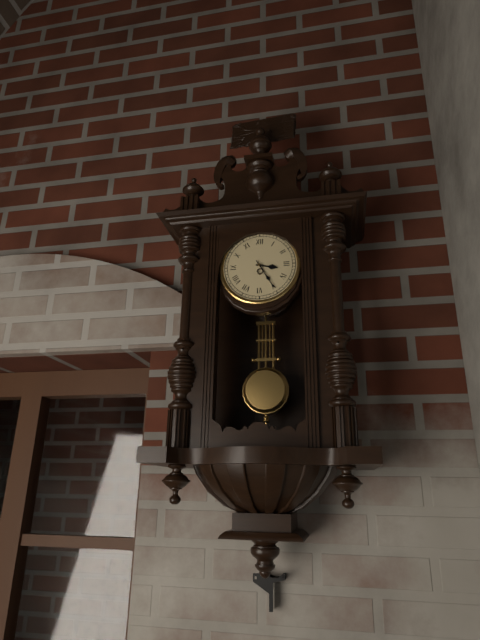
{"hour": 3, "minute": 25}
